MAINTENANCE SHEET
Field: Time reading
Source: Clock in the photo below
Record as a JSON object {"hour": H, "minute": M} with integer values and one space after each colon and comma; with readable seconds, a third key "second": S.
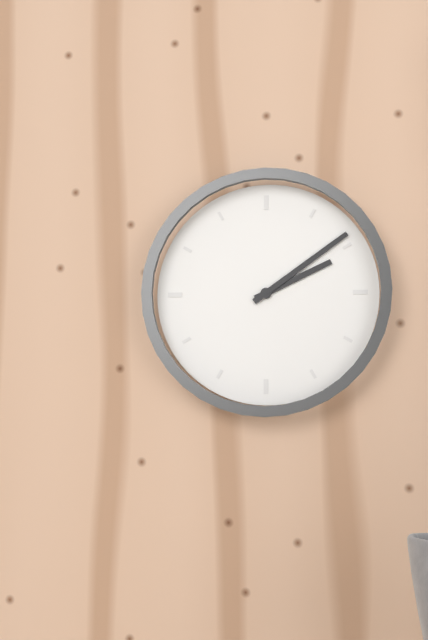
{"hour": 2, "minute": 9}
